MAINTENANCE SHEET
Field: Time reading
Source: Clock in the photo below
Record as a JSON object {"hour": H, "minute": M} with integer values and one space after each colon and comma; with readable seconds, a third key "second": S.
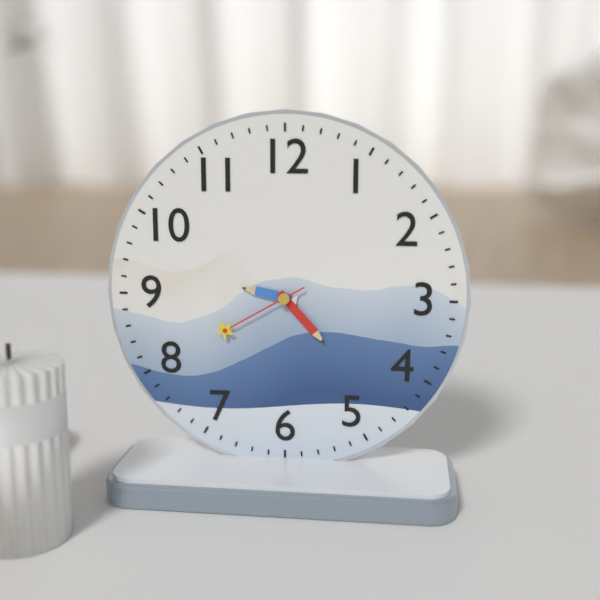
{"hour": 9, "minute": 23, "second": 40}
